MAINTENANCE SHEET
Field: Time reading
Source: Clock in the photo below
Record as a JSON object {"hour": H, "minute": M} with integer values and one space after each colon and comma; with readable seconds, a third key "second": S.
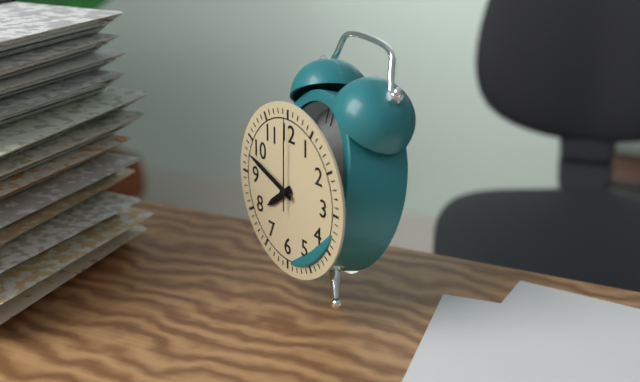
{"hour": 7, "minute": 48, "second": 0}
